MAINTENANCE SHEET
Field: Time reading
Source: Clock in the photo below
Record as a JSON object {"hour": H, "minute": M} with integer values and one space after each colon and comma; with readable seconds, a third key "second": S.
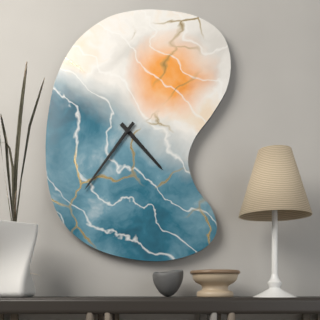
{"hour": 4, "minute": 36}
